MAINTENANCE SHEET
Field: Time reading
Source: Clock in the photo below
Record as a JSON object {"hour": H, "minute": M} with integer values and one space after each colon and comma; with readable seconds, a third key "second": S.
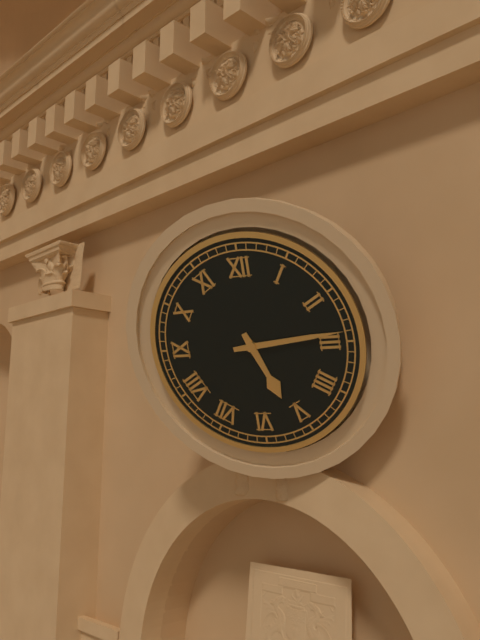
{"hour": 5, "minute": 14}
